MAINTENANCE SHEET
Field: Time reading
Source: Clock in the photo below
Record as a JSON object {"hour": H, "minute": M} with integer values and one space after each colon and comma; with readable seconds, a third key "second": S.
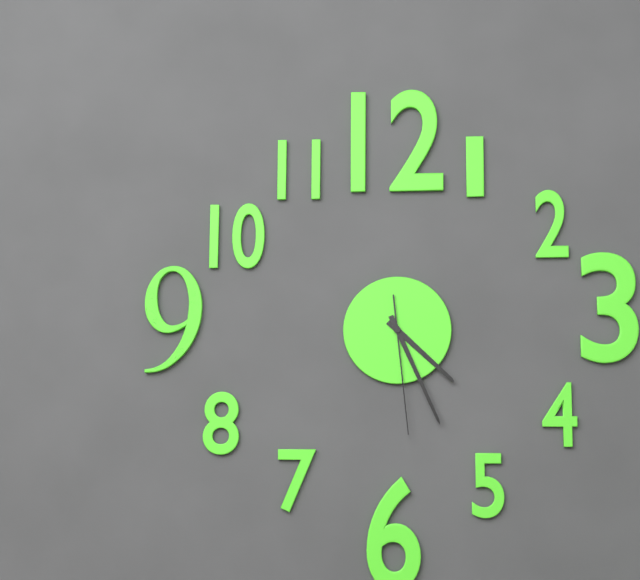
{"hour": 4, "minute": 26, "second": 29}
